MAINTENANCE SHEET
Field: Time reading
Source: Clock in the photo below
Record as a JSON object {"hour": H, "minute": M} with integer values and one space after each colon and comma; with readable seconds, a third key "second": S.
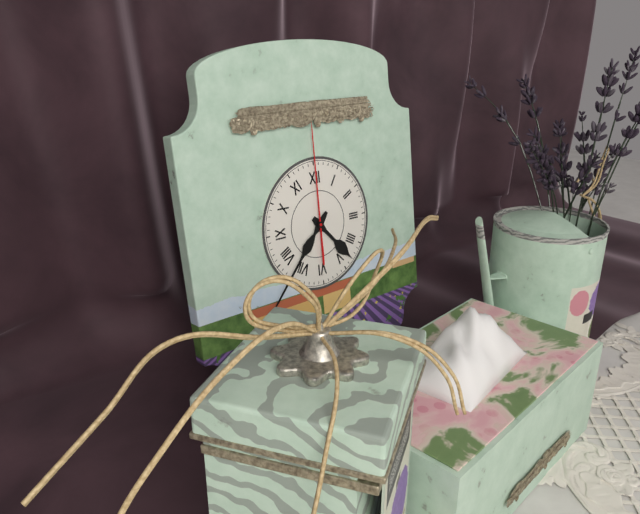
{"hour": 4, "minute": 37, "second": 0}
